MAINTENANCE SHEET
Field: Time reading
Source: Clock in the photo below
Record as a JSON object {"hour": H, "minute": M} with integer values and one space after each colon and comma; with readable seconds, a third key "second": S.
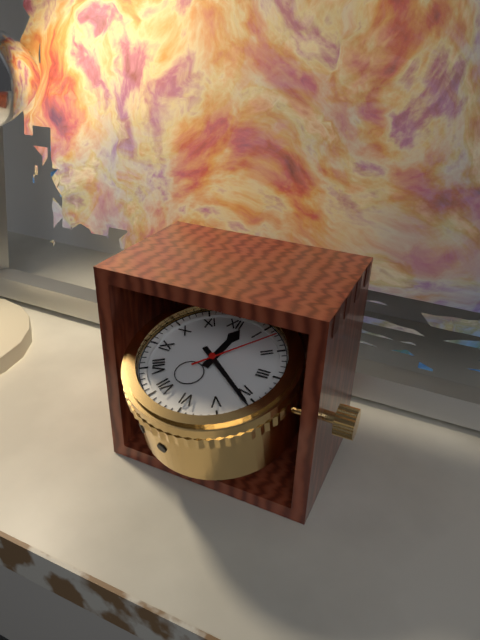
{"hour": 12, "minute": 21, "second": 7}
